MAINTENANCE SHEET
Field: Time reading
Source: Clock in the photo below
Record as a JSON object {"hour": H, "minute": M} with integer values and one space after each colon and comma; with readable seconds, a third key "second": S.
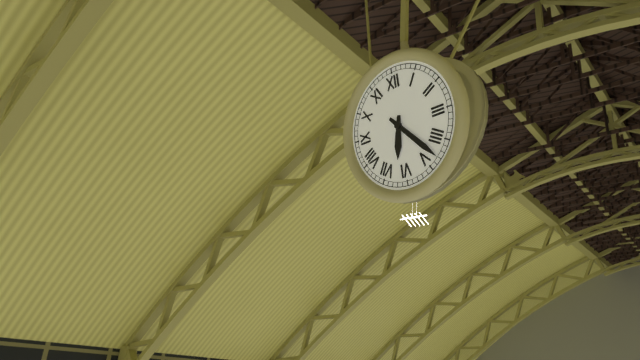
{"hour": 6, "minute": 23}
